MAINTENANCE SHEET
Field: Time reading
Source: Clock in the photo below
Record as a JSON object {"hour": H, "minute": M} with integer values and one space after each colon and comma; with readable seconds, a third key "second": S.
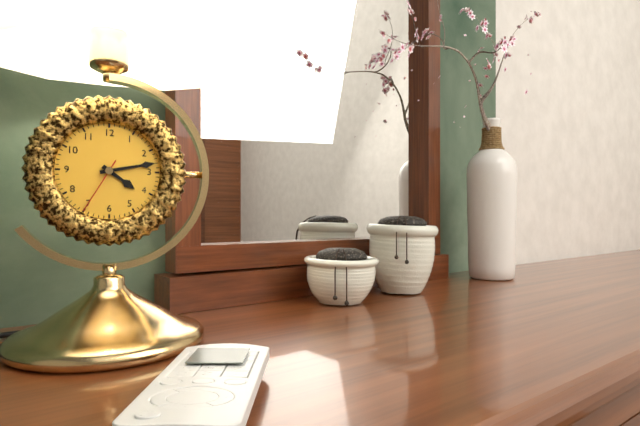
{"hour": 4, "minute": 13, "second": 35}
